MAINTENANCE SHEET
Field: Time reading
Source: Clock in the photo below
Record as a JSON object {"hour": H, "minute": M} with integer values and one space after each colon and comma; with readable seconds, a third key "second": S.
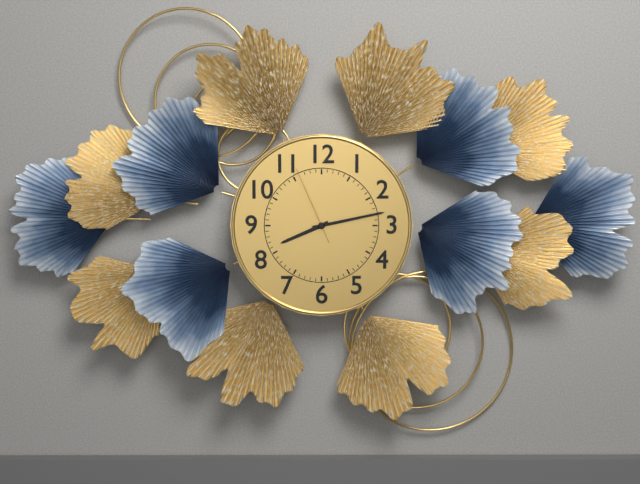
{"hour": 8, "minute": 13, "second": 56}
